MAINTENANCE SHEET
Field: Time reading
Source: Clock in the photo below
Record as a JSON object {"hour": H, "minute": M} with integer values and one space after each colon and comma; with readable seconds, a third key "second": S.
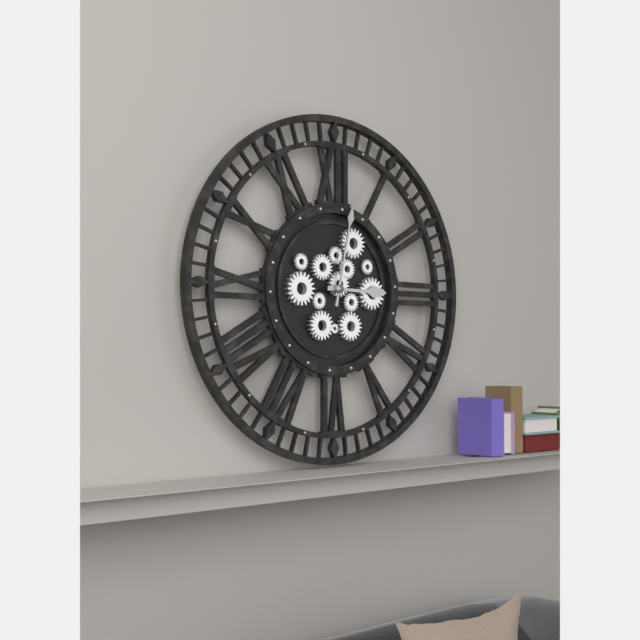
{"hour": 3, "minute": 2}
